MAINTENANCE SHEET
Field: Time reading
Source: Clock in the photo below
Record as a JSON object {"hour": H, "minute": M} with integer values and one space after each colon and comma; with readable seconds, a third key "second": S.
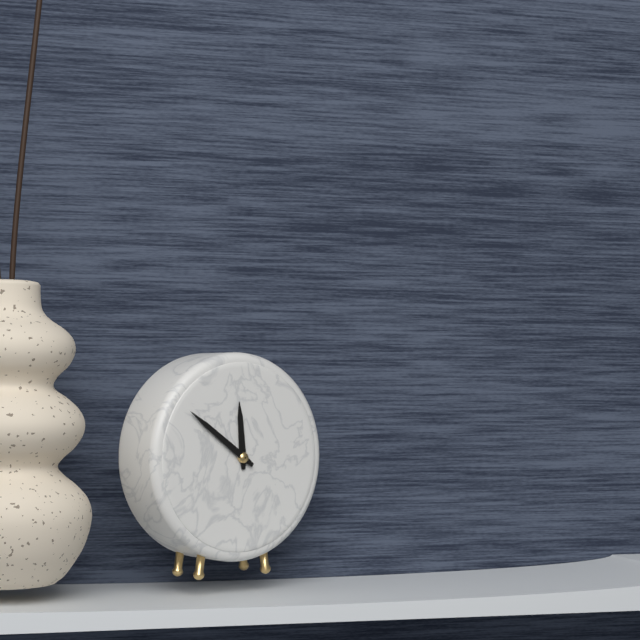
{"hour": 11, "minute": 51}
